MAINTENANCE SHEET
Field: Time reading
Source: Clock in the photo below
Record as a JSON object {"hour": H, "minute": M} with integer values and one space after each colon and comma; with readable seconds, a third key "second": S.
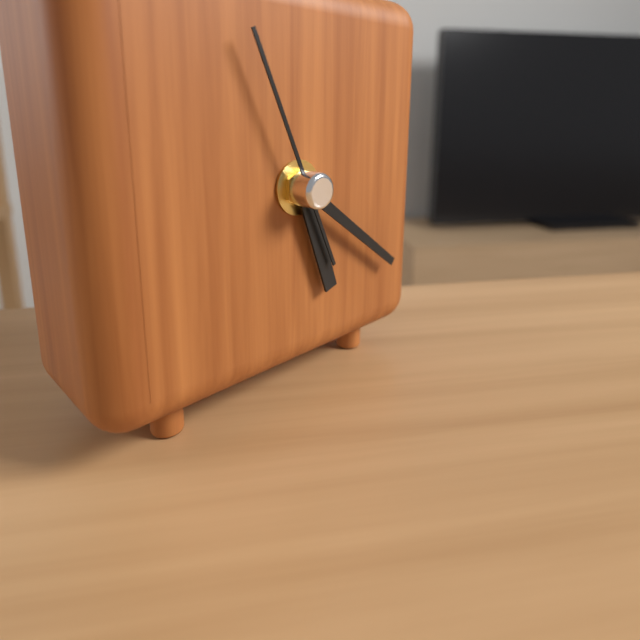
{"hour": 5, "minute": 21, "second": 56}
